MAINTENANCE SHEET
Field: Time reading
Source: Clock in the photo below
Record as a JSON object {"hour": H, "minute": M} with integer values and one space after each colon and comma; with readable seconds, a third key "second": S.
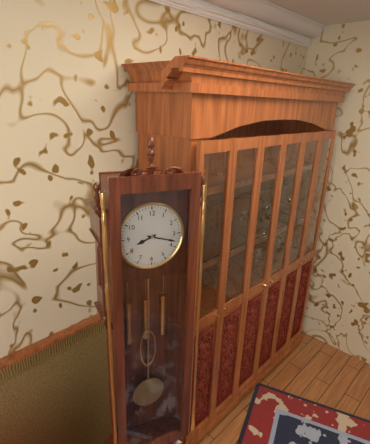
{"hour": 8, "minute": 18}
